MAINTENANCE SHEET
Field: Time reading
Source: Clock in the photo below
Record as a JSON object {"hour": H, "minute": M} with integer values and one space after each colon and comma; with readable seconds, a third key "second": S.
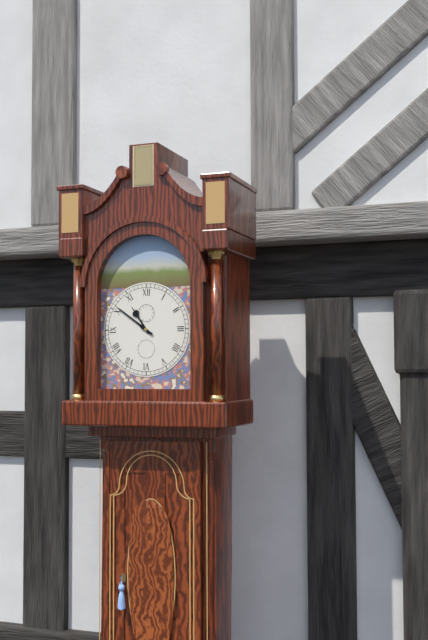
{"hour": 10, "minute": 51}
